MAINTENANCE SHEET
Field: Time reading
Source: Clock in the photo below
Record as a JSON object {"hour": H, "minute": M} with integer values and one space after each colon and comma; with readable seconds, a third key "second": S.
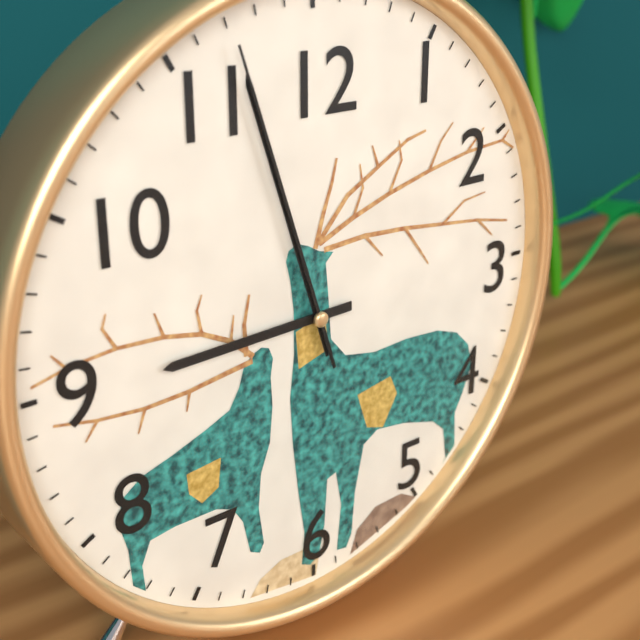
{"hour": 8, "minute": 57, "second": 57}
